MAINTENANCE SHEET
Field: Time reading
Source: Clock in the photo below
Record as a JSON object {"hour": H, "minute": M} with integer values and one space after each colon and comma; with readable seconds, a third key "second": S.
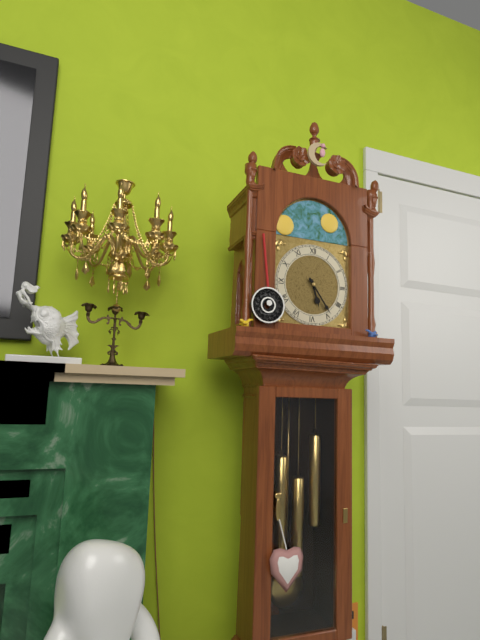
{"hour": 5, "minute": 24}
